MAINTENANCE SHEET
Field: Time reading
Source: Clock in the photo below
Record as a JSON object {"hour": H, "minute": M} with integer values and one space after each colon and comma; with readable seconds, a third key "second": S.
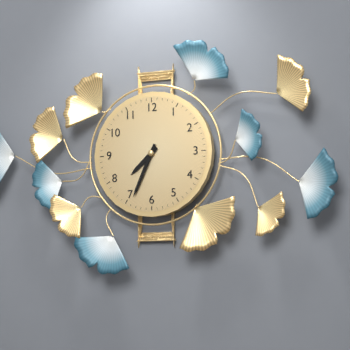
{"hour": 7, "minute": 34}
